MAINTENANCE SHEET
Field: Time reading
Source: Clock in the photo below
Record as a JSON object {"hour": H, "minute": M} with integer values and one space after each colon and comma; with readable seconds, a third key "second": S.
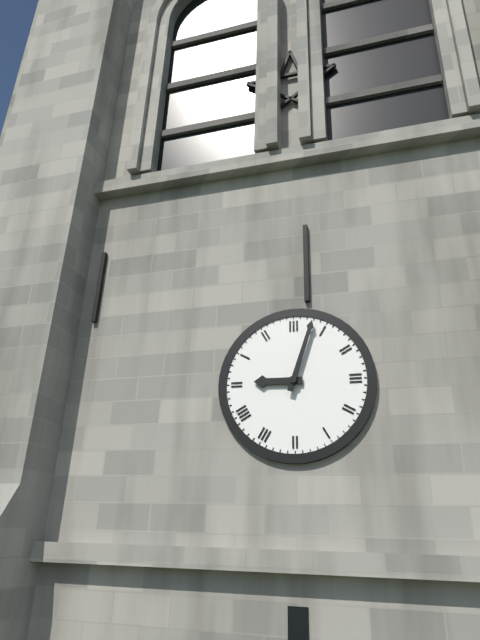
{"hour": 9, "minute": 3}
